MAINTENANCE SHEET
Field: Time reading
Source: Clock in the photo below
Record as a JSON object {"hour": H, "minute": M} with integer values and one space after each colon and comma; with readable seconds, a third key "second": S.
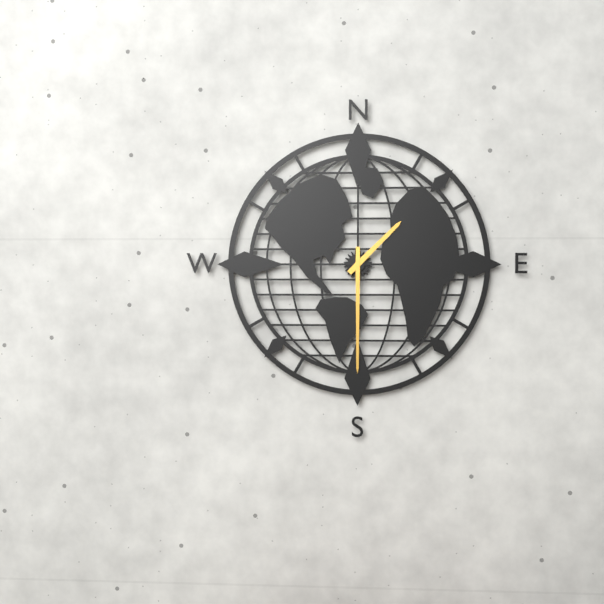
{"hour": 1, "minute": 30}
